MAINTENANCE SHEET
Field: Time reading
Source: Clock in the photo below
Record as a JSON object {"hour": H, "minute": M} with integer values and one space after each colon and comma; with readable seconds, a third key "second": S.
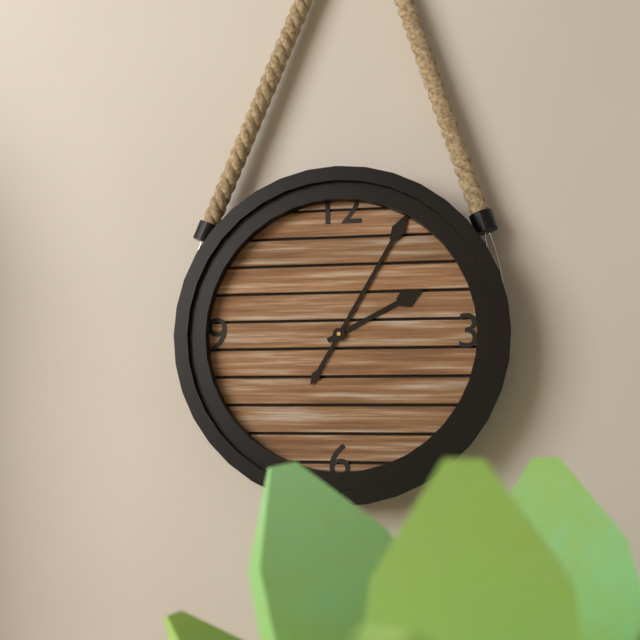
{"hour": 2, "minute": 5}
